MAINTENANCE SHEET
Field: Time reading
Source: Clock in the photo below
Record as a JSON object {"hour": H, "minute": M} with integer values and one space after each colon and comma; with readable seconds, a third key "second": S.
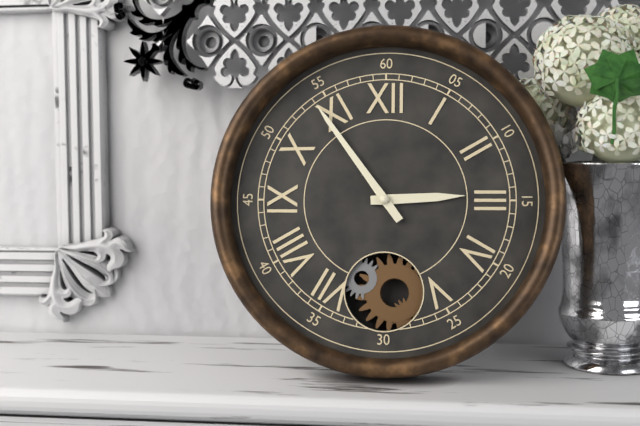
{"hour": 2, "minute": 54}
